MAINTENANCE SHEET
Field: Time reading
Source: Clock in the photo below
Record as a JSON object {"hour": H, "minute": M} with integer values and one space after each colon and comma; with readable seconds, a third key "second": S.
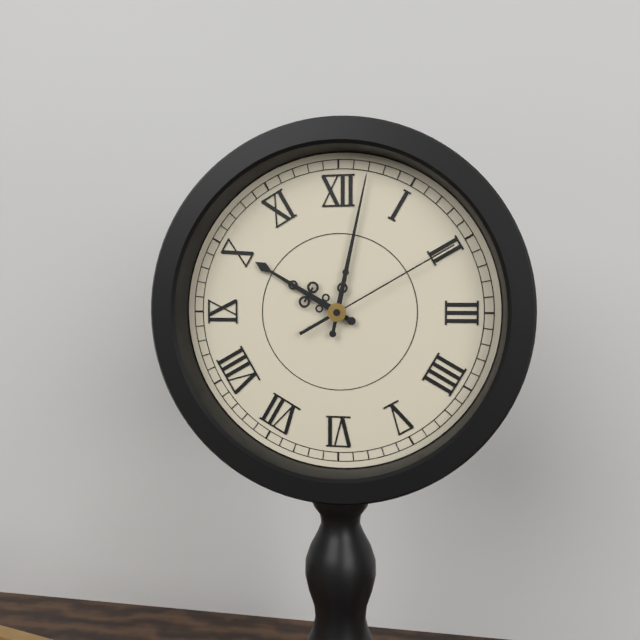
{"hour": 10, "minute": 2, "second": 10}
